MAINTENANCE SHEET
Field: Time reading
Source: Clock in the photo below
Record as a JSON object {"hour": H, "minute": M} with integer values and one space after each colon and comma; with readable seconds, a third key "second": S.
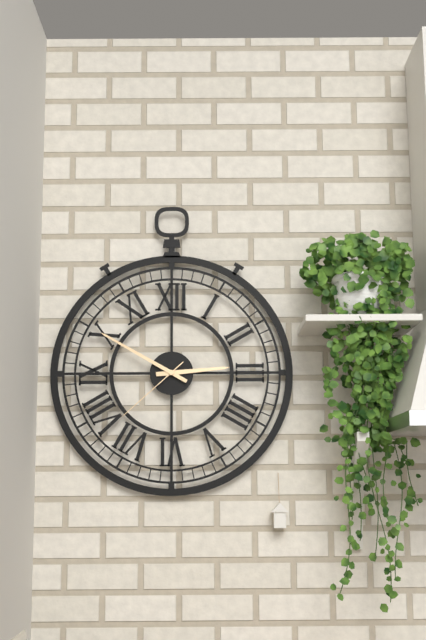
{"hour": 2, "minute": 50, "second": 38}
